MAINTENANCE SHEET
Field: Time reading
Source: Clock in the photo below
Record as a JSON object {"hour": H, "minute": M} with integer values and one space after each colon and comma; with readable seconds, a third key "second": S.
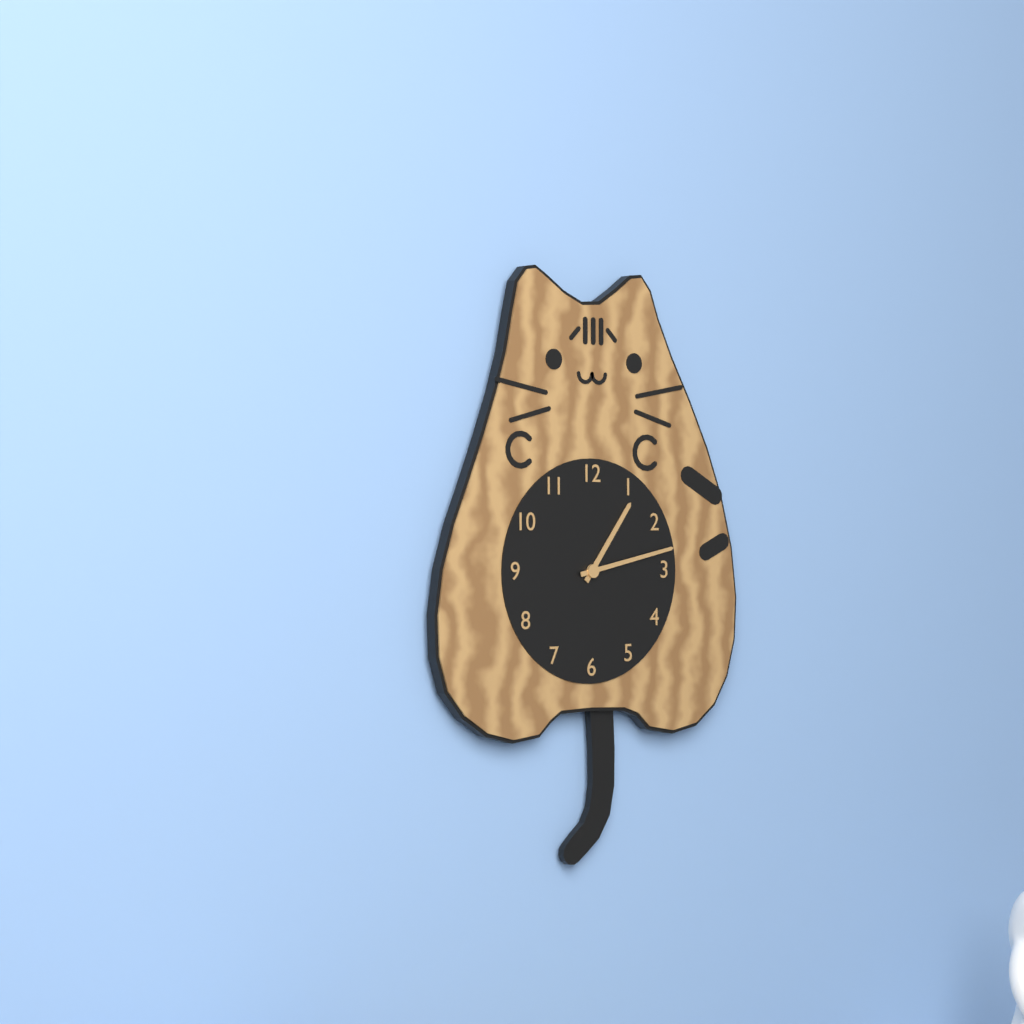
{"hour": 1, "minute": 13}
